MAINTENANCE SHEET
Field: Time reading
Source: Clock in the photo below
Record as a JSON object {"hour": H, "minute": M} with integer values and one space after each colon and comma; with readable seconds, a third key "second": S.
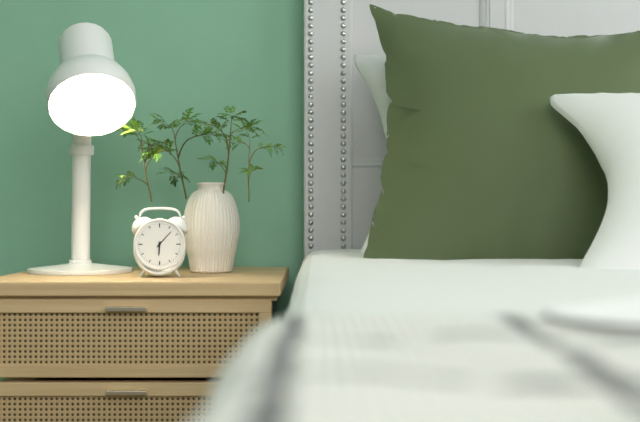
{"hour": 6, "minute": 7}
